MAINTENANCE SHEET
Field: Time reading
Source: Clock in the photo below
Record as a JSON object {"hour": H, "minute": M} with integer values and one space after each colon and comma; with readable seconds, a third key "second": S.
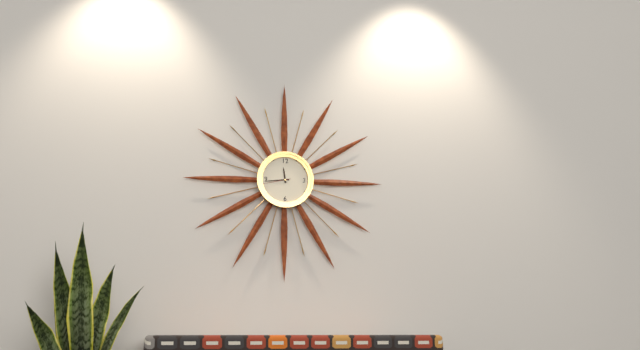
{"hour": 11, "minute": 44}
